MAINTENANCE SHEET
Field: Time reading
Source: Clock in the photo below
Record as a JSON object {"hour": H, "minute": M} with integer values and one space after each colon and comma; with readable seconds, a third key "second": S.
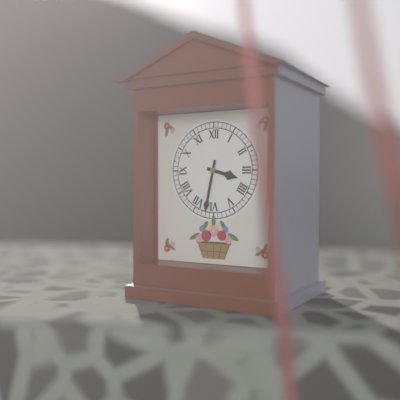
{"hour": 3, "minute": 32}
